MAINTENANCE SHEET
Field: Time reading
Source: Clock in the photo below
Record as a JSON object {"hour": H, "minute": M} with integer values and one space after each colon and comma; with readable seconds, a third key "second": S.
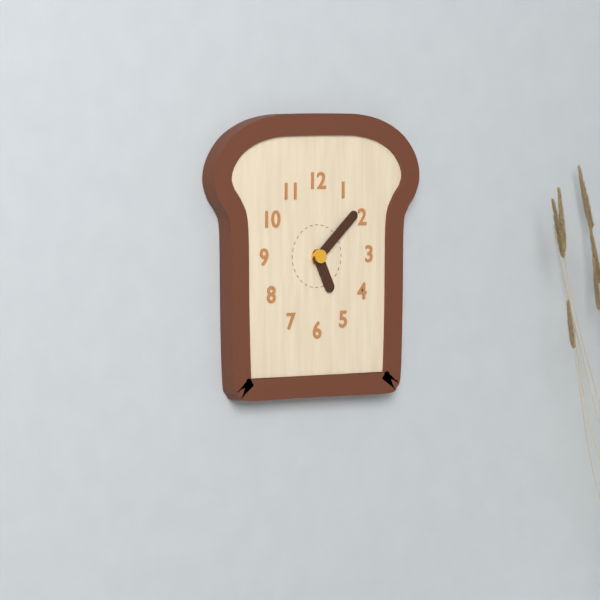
{"hour": 5, "minute": 8}
